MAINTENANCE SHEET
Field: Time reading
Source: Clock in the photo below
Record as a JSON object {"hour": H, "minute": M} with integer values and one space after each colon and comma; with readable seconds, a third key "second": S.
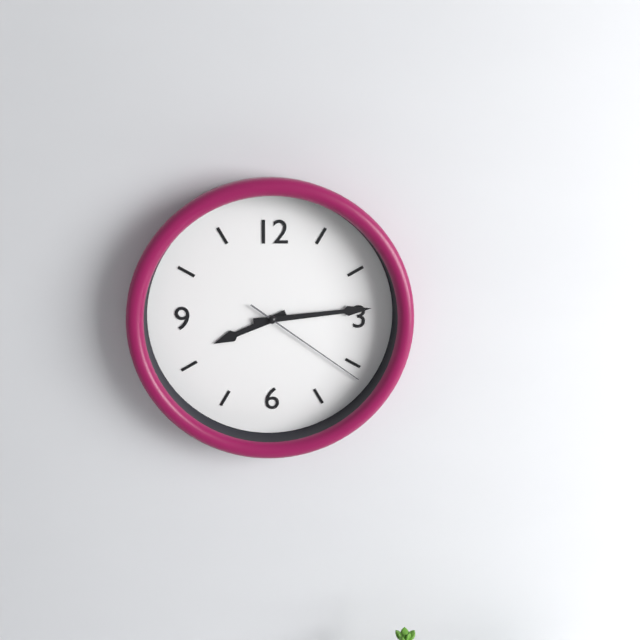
{"hour": 8, "minute": 14, "second": 21}
